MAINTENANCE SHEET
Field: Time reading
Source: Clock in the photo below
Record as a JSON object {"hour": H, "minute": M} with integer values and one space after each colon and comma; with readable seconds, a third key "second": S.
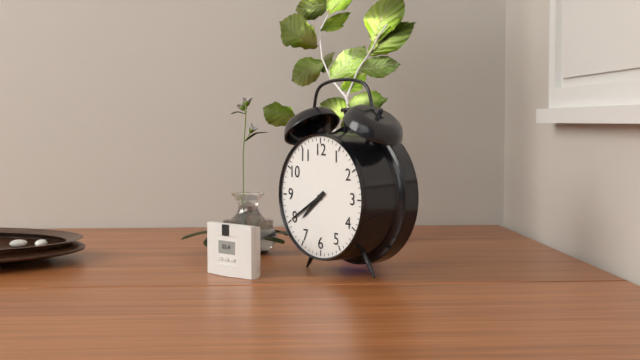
{"hour": 7, "minute": 40}
